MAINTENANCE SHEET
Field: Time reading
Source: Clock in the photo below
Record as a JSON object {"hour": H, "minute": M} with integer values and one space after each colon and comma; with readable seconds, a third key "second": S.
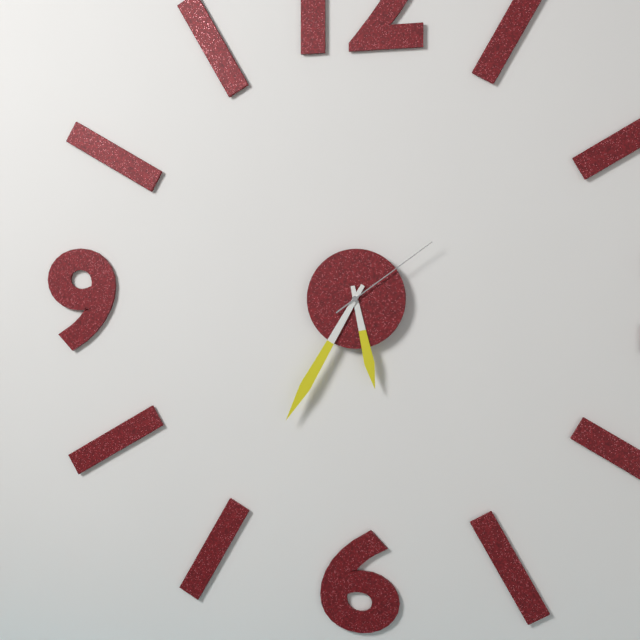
{"hour": 5, "minute": 35, "second": 9}
